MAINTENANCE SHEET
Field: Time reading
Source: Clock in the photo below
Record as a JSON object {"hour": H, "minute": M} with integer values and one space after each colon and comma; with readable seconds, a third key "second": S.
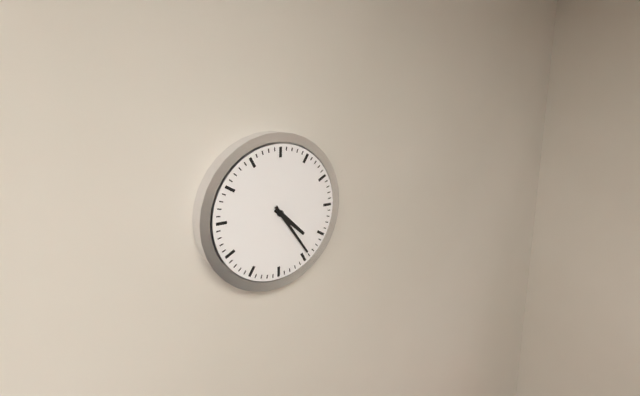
{"hour": 4, "minute": 24}
